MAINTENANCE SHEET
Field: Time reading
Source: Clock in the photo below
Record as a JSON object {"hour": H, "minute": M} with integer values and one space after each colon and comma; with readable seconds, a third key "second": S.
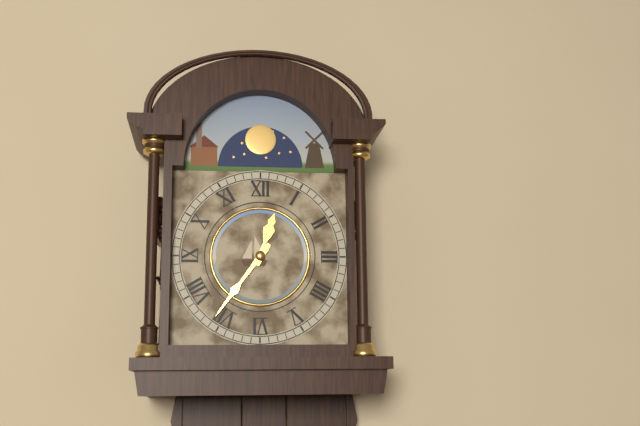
{"hour": 12, "minute": 36}
